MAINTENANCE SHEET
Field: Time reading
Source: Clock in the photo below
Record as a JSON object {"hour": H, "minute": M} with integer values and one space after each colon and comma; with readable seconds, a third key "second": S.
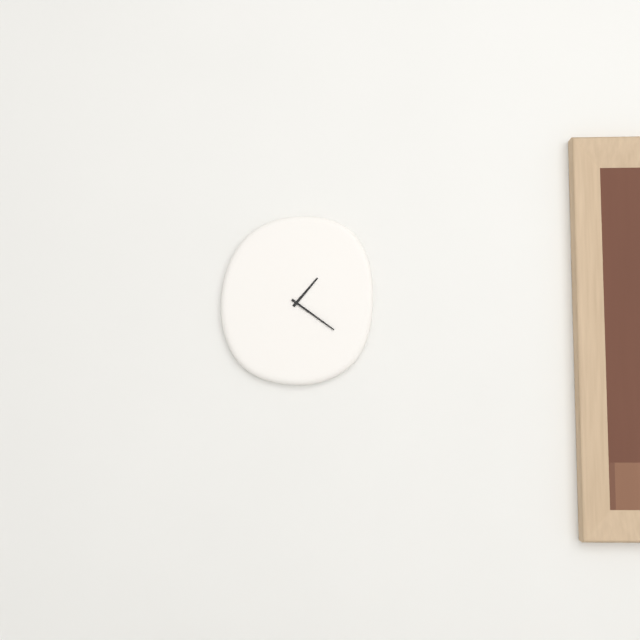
{"hour": 1, "minute": 21}
